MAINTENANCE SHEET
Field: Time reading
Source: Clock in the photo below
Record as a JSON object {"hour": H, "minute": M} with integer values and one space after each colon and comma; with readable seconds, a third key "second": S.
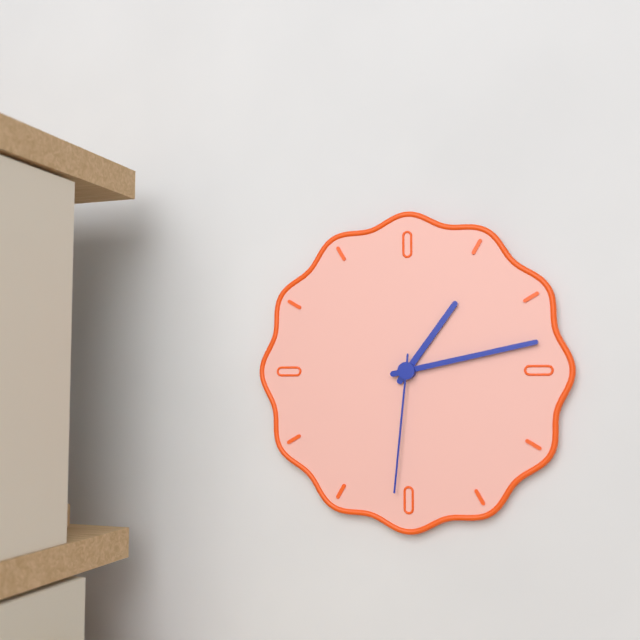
{"hour": 1, "minute": 13, "second": 31}
